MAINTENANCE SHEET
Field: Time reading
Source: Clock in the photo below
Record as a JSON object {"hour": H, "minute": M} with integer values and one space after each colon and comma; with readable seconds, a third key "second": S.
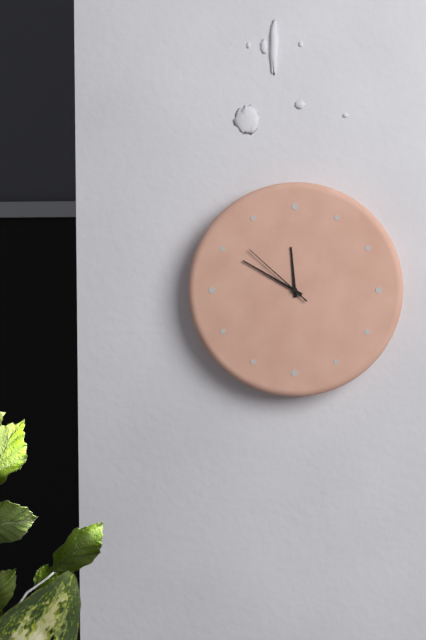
{"hour": 11, "minute": 50, "second": 52}
